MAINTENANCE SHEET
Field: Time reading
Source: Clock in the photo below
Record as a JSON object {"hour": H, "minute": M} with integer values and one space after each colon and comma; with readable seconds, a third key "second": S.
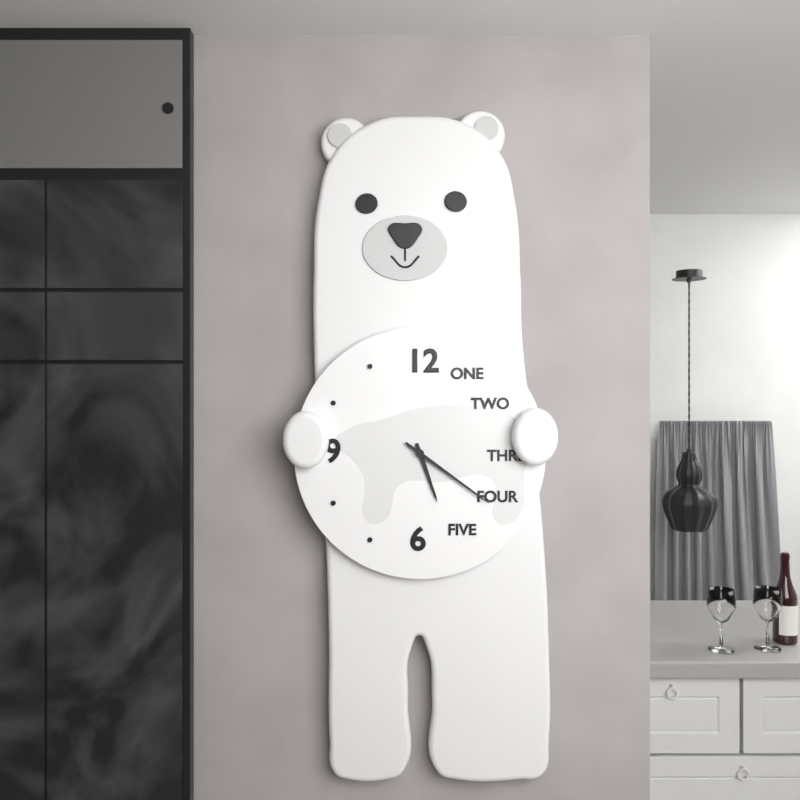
{"hour": 5, "minute": 21}
